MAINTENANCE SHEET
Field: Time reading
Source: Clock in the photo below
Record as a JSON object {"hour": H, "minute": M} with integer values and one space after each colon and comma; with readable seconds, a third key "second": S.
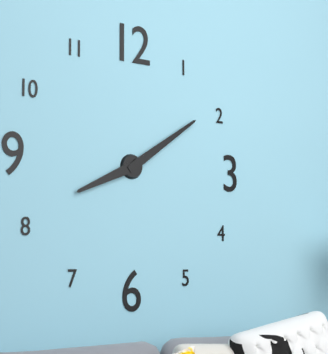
{"hour": 8, "minute": 9}
